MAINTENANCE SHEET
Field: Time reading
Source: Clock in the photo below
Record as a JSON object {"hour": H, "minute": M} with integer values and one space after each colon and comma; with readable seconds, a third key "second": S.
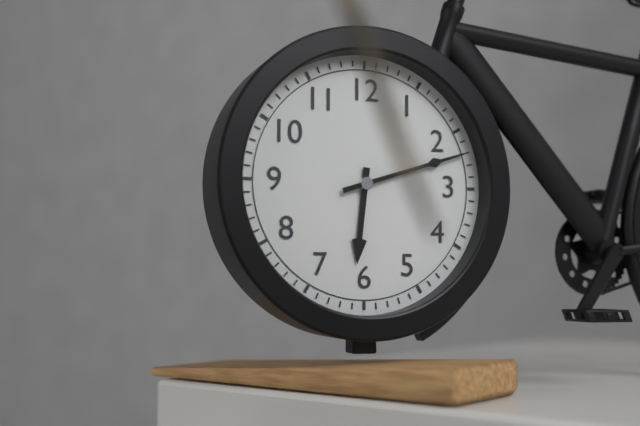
{"hour": 6, "minute": 12}
